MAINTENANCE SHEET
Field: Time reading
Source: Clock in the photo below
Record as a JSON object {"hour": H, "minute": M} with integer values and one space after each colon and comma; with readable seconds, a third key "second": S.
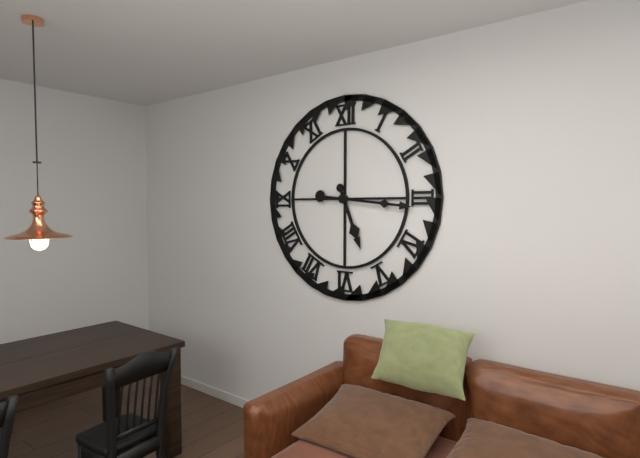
{"hour": 5, "minute": 16}
